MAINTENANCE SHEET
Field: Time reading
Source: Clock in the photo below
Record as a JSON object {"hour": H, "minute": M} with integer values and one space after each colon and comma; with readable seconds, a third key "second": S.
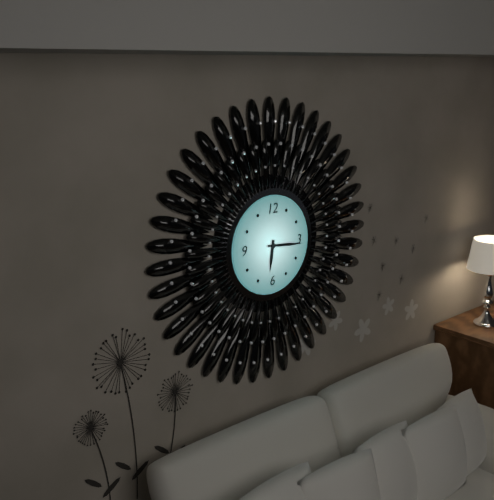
{"hour": 6, "minute": 16}
